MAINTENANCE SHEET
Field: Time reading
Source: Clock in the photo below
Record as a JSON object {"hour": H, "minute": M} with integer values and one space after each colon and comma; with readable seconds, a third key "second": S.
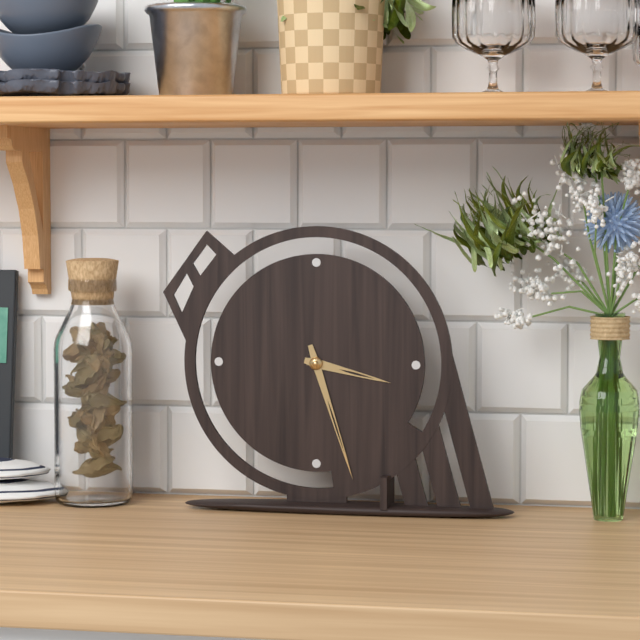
{"hour": 3, "minute": 27}
